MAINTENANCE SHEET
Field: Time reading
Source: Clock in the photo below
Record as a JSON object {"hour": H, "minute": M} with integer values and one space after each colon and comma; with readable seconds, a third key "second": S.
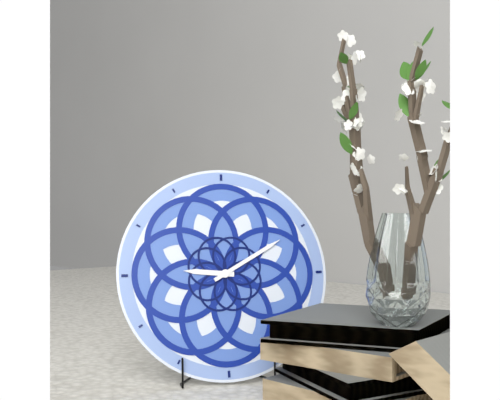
{"hour": 9, "minute": 10}
